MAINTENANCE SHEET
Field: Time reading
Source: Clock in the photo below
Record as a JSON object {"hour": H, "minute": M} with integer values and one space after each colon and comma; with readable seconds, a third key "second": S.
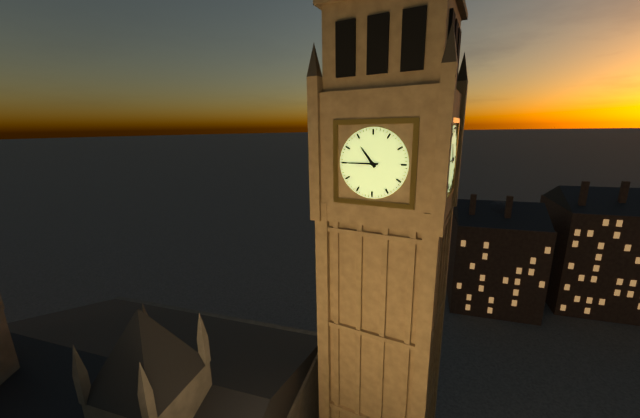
{"hour": 10, "minute": 45}
